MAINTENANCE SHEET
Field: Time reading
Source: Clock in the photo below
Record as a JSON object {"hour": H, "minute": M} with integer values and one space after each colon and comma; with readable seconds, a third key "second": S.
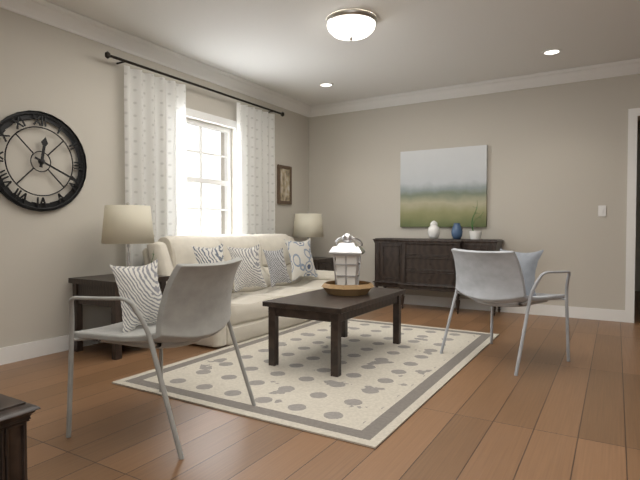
{"hour": 12, "minute": 19}
